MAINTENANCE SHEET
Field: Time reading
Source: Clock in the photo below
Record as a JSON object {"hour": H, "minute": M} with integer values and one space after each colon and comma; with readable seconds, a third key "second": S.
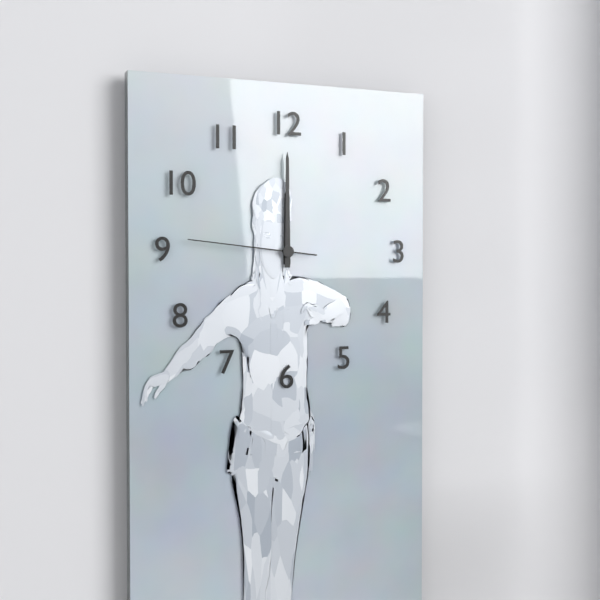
{"hour": 12, "minute": 0, "second": 46}
